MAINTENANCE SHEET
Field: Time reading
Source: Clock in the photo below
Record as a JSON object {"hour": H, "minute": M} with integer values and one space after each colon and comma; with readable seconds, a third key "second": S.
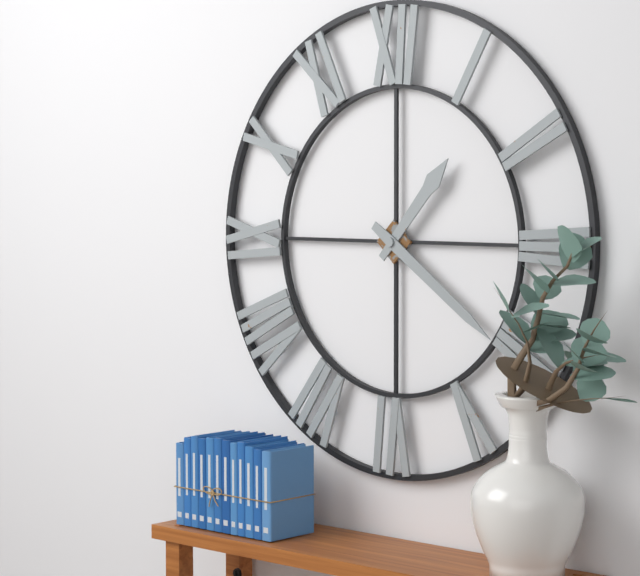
{"hour": 1, "minute": 21}
